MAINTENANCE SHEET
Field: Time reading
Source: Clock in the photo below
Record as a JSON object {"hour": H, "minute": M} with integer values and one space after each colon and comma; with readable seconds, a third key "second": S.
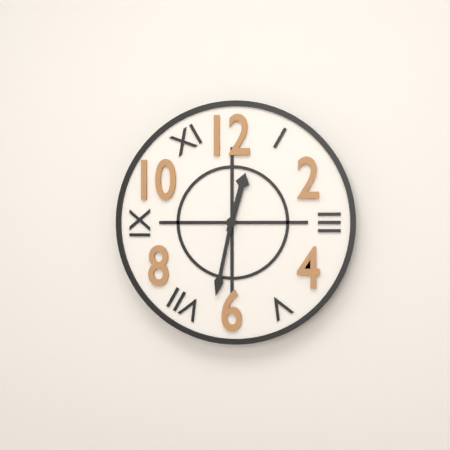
{"hour": 12, "minute": 32}
